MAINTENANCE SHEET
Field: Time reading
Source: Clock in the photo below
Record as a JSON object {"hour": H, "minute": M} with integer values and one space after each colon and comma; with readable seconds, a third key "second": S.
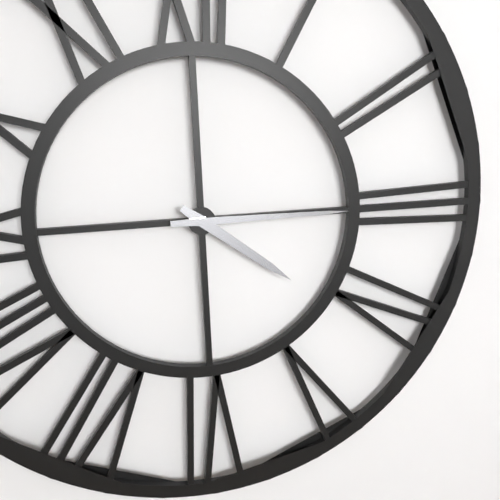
{"hour": 4, "minute": 15}
